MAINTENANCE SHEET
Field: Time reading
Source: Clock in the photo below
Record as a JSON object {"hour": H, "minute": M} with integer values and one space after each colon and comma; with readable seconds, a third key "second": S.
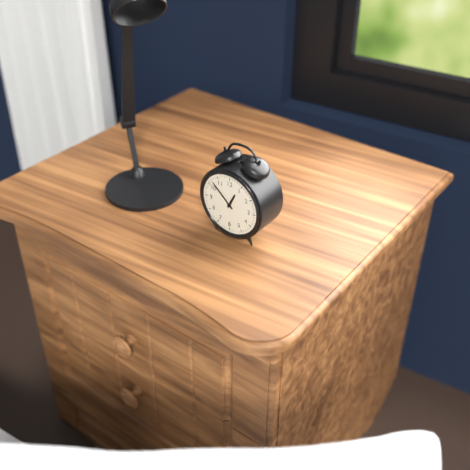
{"hour": 12, "minute": 52}
